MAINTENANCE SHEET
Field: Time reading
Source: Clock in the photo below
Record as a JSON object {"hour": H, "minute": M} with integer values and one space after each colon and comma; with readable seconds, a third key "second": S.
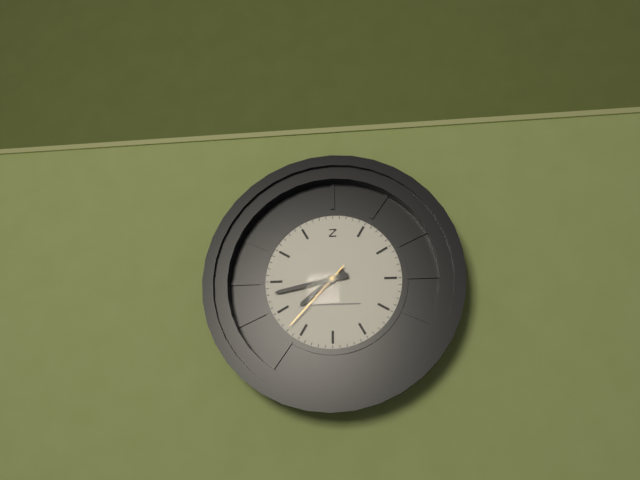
{"hour": 7, "minute": 43, "second": 37}
